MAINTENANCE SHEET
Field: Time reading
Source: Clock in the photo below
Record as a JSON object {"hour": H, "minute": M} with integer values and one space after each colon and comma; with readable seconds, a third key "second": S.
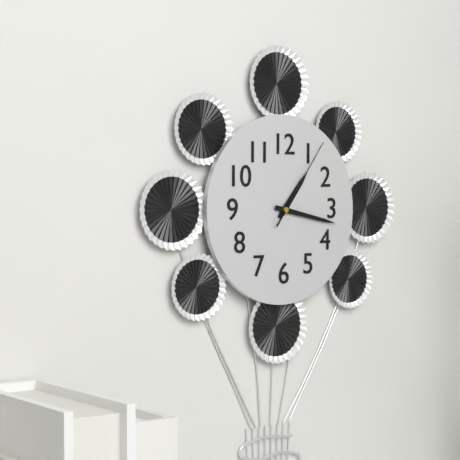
{"hour": 1, "minute": 17, "second": 6}
